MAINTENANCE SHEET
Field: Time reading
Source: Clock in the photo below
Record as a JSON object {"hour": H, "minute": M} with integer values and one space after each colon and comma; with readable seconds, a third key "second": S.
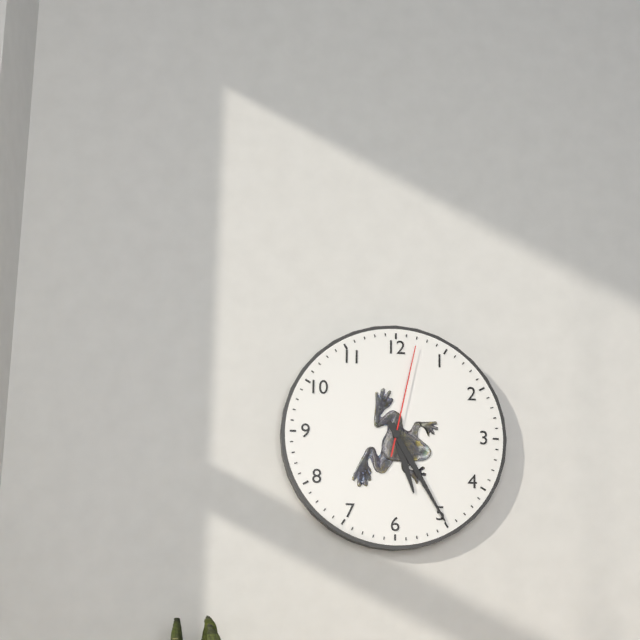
{"hour": 5, "minute": 25, "second": 2}
